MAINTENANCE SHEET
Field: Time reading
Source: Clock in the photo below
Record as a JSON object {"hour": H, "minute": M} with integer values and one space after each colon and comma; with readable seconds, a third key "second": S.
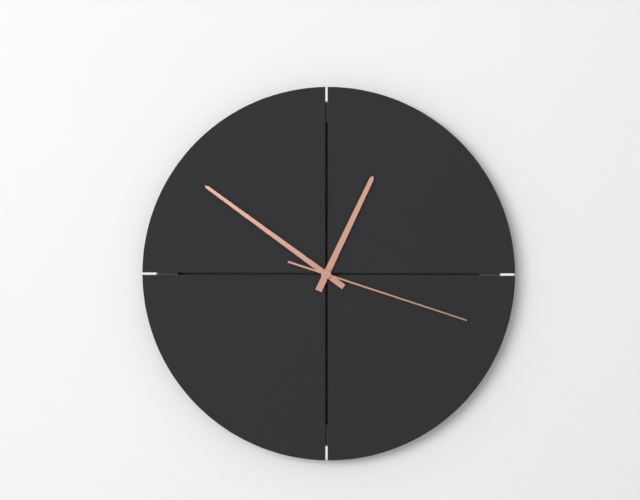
{"hour": 12, "minute": 51, "second": 18}
